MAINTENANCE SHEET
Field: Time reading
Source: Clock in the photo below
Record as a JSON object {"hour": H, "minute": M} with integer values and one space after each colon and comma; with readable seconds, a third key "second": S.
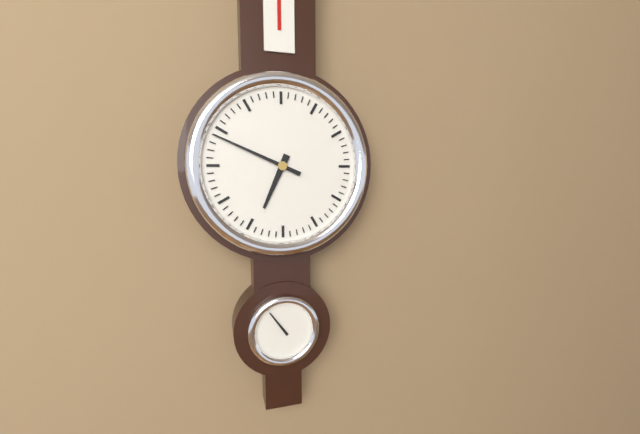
{"hour": 6, "minute": 49}
